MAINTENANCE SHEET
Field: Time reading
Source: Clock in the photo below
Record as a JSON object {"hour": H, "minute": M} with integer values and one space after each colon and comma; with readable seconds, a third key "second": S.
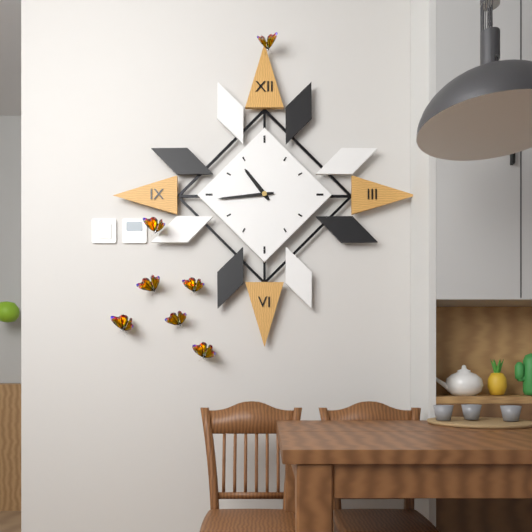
{"hour": 10, "minute": 44}
